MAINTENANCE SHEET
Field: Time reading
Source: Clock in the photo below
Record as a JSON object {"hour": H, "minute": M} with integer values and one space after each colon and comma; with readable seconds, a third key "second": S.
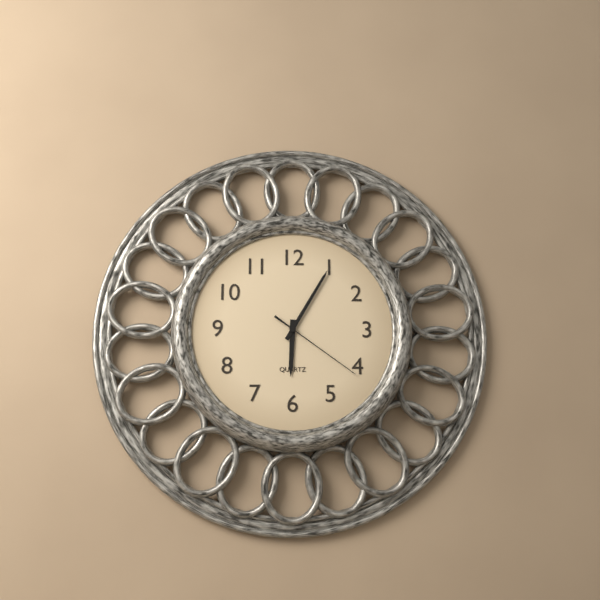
{"hour": 6, "minute": 5, "second": 21}
